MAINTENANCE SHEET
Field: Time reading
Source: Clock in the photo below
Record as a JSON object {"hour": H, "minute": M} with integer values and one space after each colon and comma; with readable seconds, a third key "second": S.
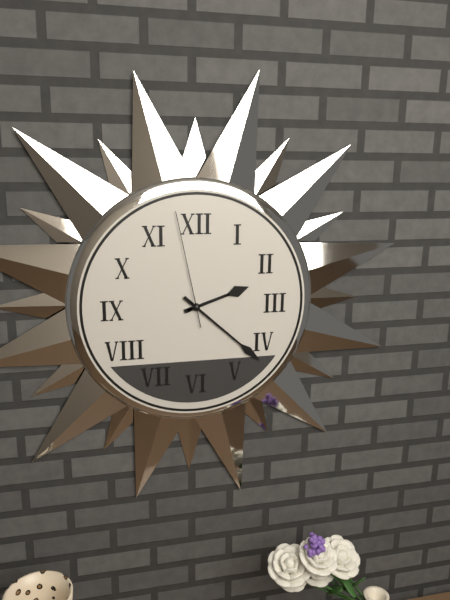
{"hour": 2, "minute": 22, "second": 58}
